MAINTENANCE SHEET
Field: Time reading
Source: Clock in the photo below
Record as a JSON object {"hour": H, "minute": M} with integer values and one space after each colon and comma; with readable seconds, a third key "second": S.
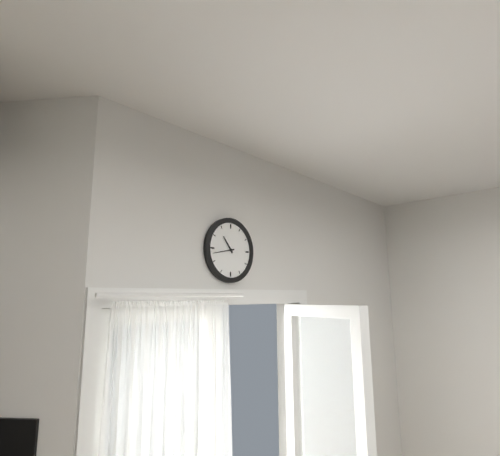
{"hour": 10, "minute": 43}
